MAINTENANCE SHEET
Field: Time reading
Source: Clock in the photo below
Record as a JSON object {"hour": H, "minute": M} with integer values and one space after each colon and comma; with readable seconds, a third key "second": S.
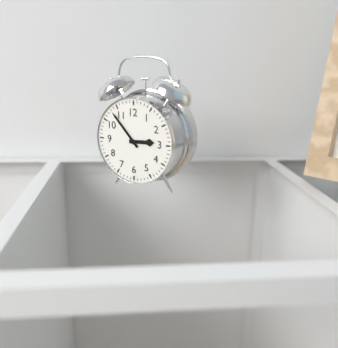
{"hour": 2, "minute": 53}
